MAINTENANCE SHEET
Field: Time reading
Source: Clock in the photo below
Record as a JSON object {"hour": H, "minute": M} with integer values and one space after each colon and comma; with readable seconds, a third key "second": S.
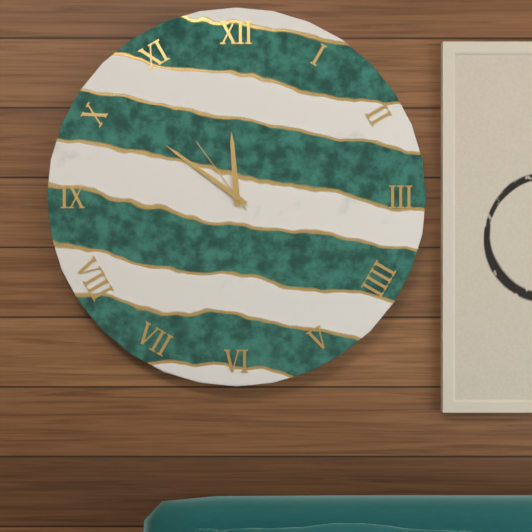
{"hour": 11, "minute": 51, "second": 54}
